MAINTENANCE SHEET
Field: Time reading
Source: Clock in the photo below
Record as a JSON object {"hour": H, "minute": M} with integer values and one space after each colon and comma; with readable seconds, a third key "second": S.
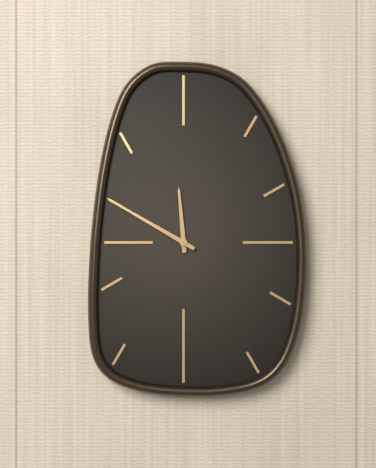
{"hour": 11, "minute": 50}
